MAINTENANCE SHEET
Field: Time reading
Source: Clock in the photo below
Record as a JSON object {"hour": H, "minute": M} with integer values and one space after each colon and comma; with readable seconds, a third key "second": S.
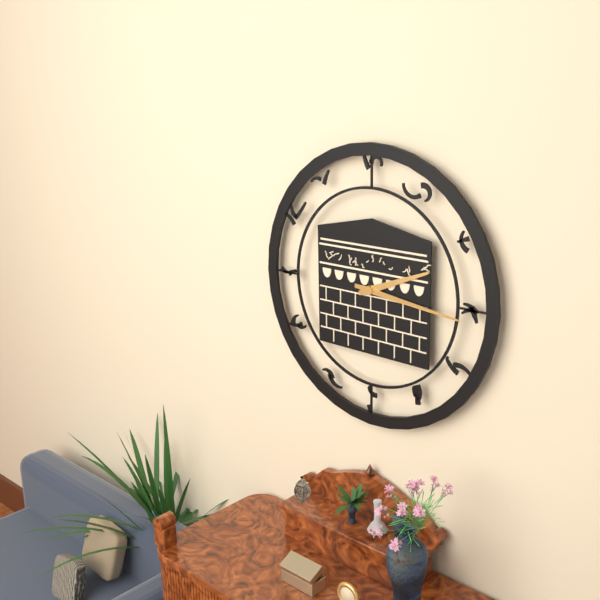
{"hour": 2, "minute": 16}
